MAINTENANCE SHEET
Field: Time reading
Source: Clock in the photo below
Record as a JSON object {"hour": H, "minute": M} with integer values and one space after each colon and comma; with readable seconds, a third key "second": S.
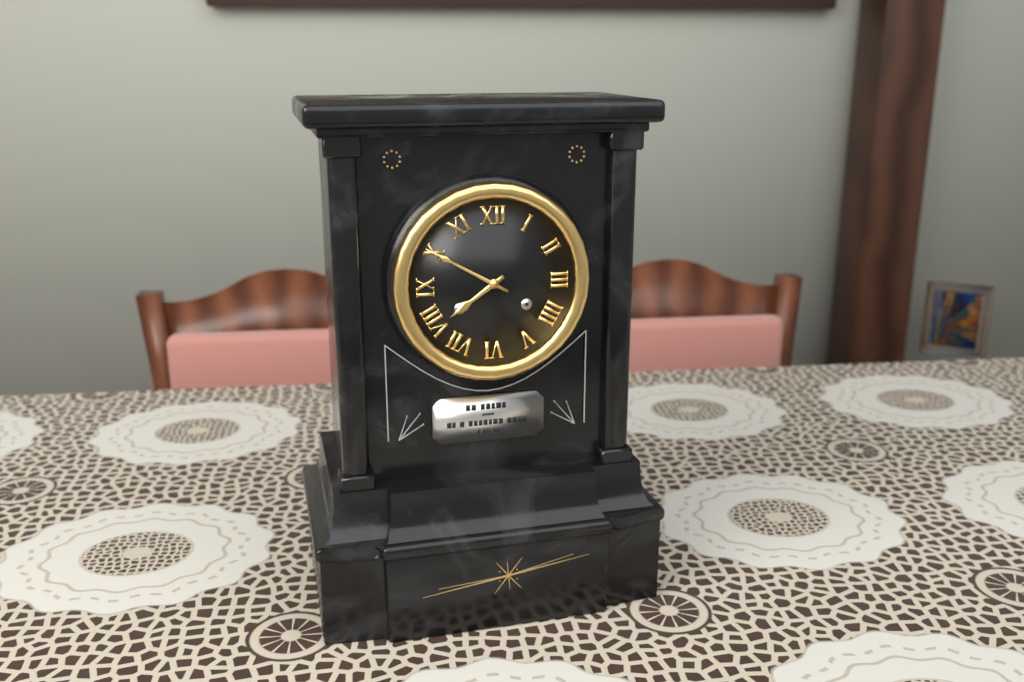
{"hour": 7, "minute": 50}
